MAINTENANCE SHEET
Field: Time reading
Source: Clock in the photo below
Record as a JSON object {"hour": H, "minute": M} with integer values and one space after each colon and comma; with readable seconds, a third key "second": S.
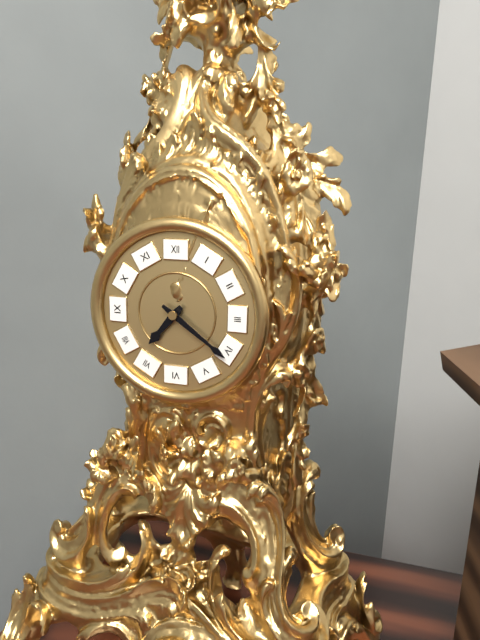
{"hour": 7, "minute": 21}
